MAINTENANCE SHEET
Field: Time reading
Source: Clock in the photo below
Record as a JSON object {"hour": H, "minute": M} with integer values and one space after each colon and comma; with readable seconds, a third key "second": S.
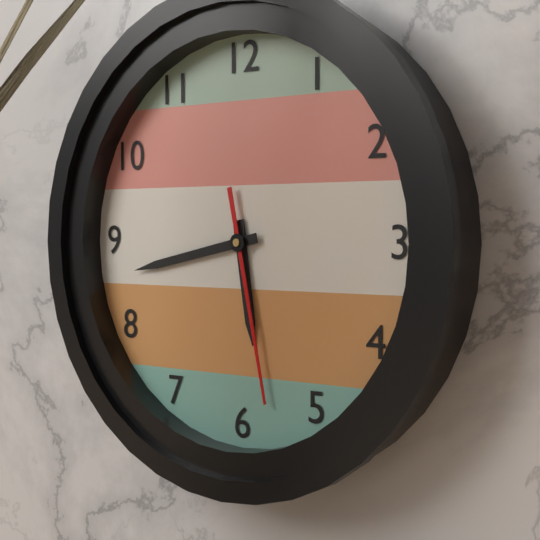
{"hour": 5, "minute": 43, "second": 28}
